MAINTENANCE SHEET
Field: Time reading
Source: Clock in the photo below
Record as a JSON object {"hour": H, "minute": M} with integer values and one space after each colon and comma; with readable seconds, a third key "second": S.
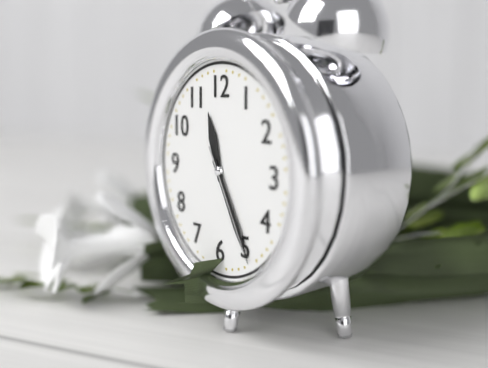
{"hour": 11, "minute": 25, "second": 25}
